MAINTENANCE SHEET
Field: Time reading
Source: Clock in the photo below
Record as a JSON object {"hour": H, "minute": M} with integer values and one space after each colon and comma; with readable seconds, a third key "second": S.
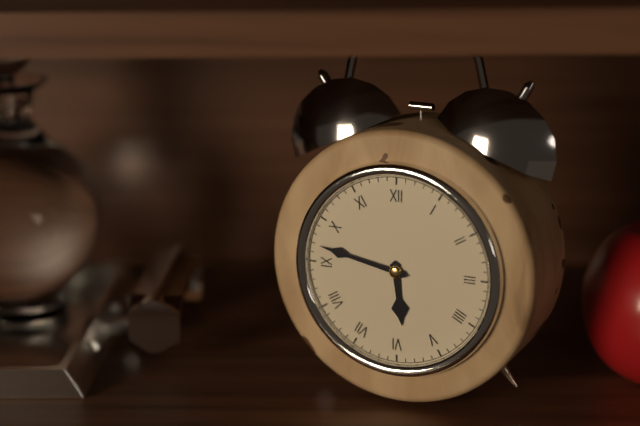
{"hour": 5, "minute": 47}
